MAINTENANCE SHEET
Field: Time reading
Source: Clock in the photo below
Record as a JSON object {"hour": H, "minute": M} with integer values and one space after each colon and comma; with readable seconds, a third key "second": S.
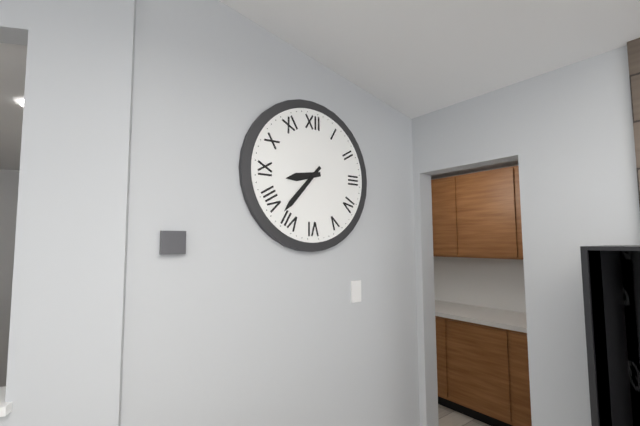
{"hour": 8, "minute": 37}
